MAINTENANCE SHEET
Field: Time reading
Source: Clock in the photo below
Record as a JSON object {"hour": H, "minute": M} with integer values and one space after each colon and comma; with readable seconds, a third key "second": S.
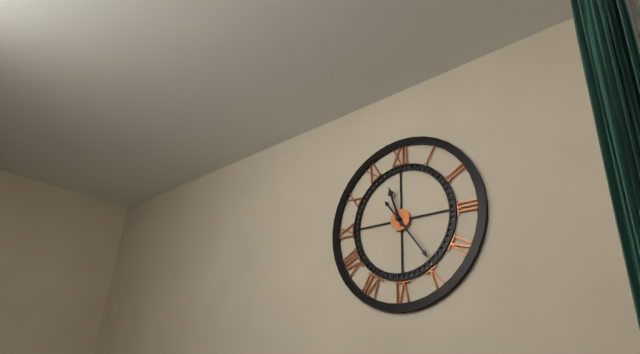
{"hour": 11, "minute": 24}
